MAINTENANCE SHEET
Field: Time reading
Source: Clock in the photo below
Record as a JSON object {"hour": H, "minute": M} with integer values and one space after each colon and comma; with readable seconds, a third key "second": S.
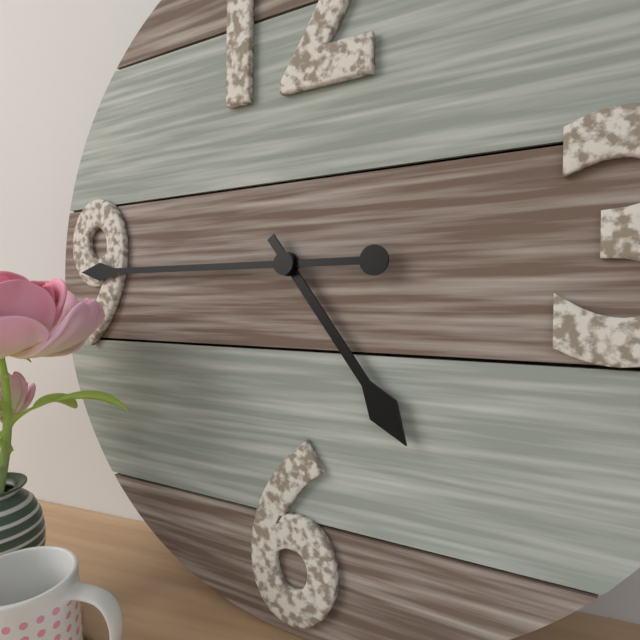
{"hour": 4, "minute": 45}
